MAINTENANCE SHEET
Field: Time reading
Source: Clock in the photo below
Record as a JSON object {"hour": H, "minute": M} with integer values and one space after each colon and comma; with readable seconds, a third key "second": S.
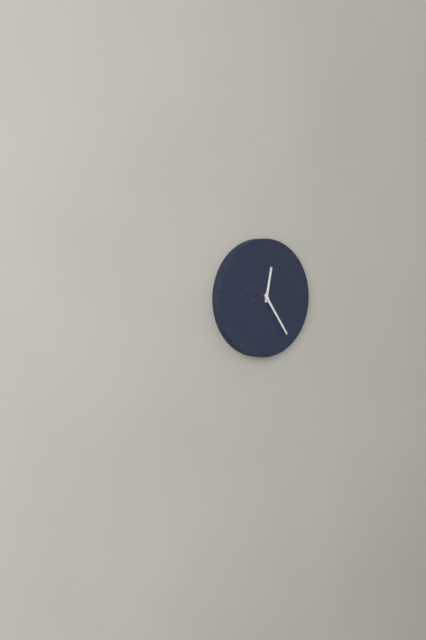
{"hour": 12, "minute": 24}
